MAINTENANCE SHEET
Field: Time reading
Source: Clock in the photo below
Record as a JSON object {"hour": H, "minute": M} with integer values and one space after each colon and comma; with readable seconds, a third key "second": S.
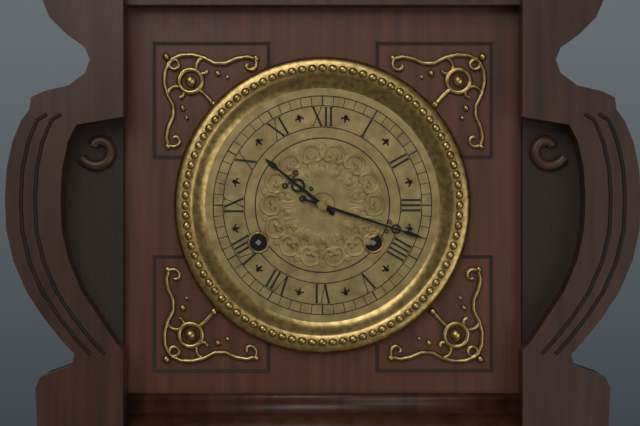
{"hour": 10, "minute": 18}
